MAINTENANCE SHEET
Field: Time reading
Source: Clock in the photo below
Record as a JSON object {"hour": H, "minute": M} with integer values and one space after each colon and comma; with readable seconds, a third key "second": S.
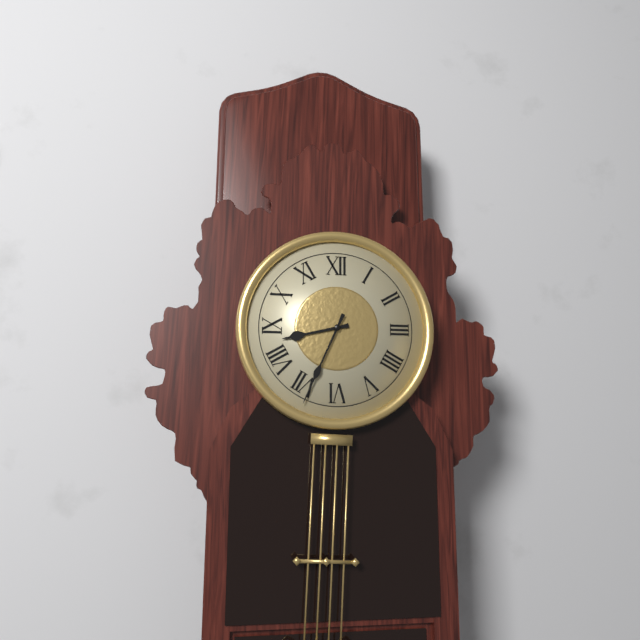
{"hour": 8, "minute": 34}
